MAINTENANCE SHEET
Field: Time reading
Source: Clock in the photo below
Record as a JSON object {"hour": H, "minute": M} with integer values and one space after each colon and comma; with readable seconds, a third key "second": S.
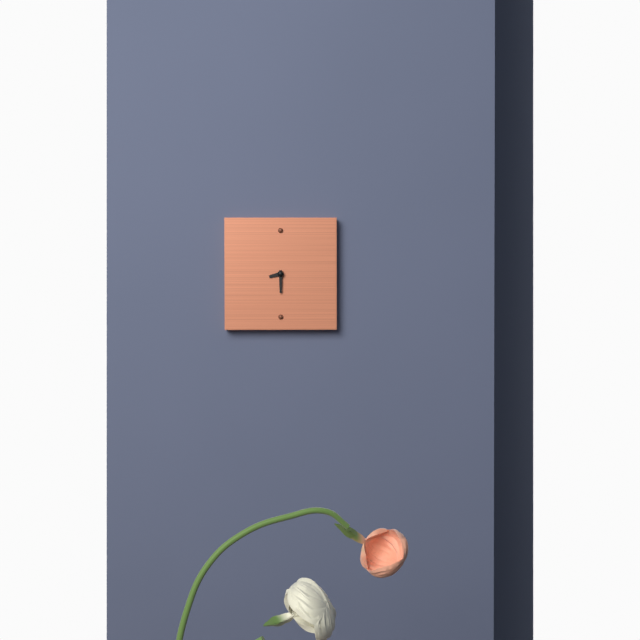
{"hour": 8, "minute": 30}
